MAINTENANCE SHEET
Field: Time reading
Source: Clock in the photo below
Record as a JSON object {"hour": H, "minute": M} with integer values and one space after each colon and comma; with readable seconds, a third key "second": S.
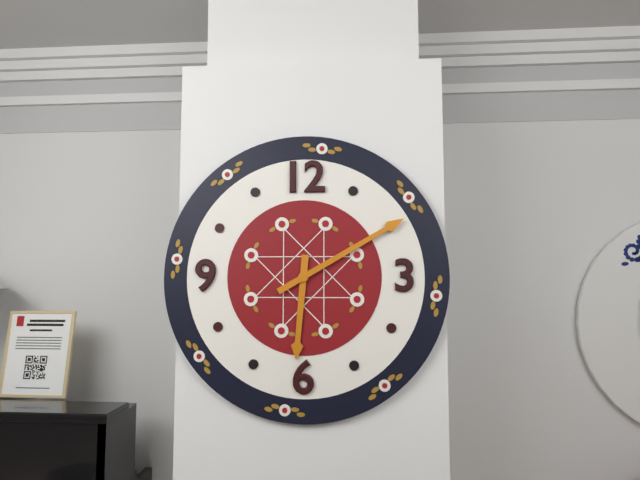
{"hour": 6, "minute": 10}
